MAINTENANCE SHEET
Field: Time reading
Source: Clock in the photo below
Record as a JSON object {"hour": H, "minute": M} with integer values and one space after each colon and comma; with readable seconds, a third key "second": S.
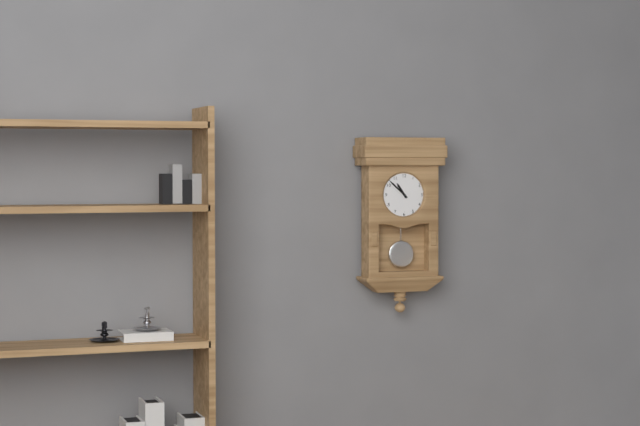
{"hour": 10, "minute": 52}
